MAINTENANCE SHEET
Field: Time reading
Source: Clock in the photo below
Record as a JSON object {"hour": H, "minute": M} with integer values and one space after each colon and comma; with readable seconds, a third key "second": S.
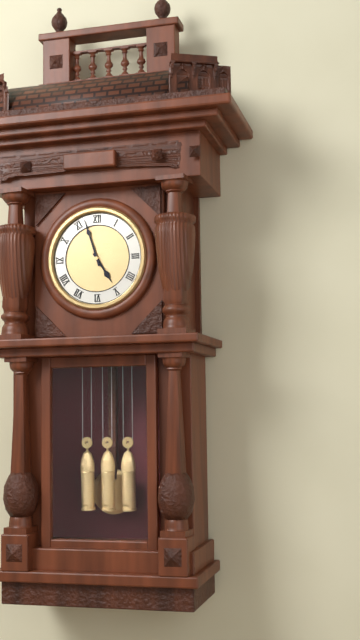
{"hour": 4, "minute": 57}
